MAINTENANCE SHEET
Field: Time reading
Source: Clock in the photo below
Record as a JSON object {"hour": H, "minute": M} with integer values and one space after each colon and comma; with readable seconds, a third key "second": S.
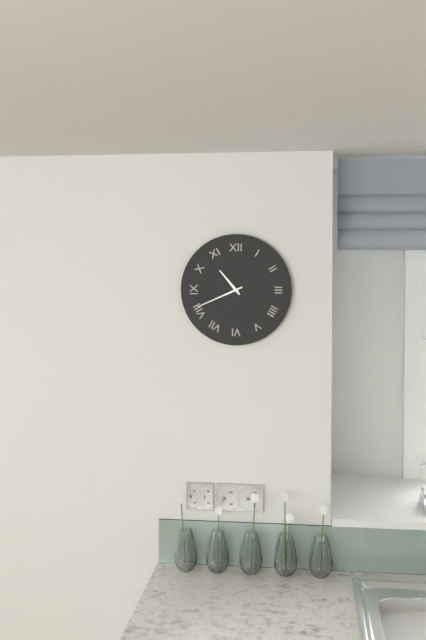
{"hour": 10, "minute": 41}
